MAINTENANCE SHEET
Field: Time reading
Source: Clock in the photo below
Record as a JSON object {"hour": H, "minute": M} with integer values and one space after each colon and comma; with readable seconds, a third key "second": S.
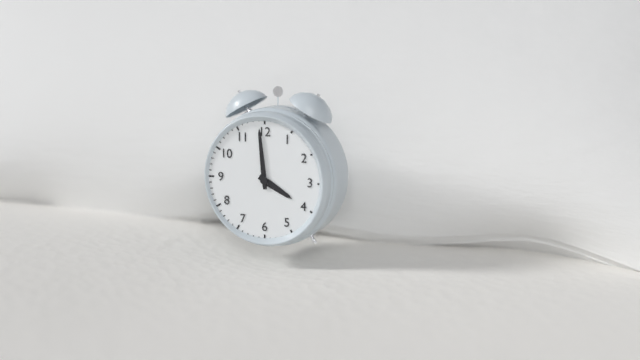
{"hour": 3, "minute": 59}
